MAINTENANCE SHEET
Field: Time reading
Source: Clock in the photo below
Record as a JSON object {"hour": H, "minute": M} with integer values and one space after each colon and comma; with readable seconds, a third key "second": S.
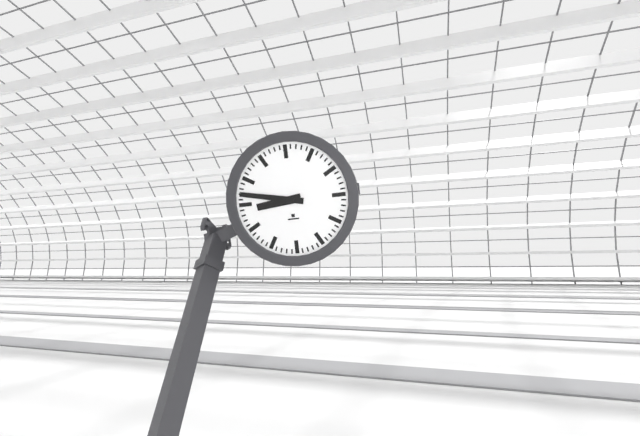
{"hour": 8, "minute": 47}
